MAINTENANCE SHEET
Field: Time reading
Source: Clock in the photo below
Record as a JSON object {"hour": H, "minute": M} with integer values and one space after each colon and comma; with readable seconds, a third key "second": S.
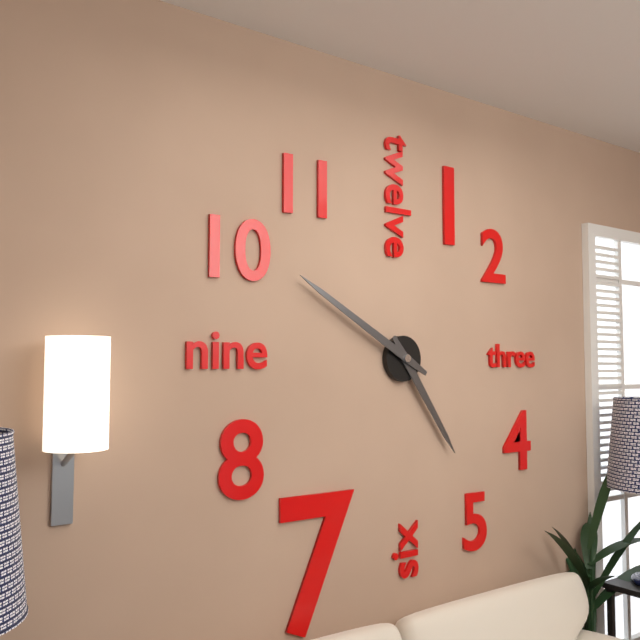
{"hour": 4, "minute": 50}
